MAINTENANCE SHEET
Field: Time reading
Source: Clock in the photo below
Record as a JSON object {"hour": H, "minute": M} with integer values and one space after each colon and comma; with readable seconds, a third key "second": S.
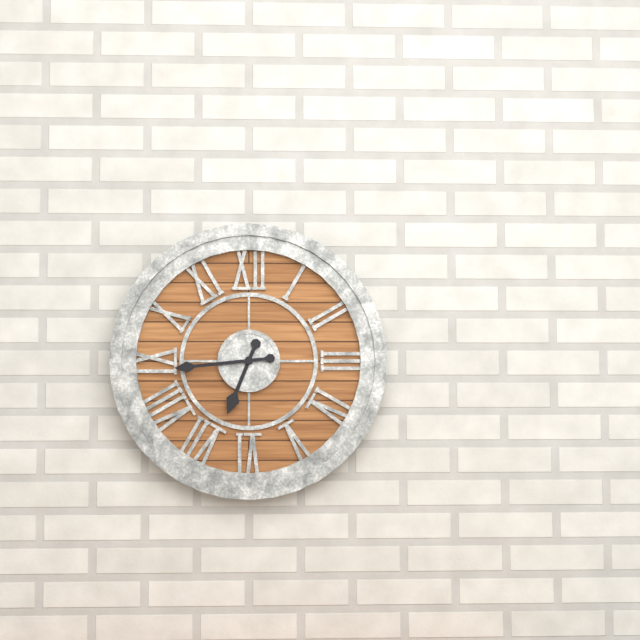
{"hour": 6, "minute": 44}
